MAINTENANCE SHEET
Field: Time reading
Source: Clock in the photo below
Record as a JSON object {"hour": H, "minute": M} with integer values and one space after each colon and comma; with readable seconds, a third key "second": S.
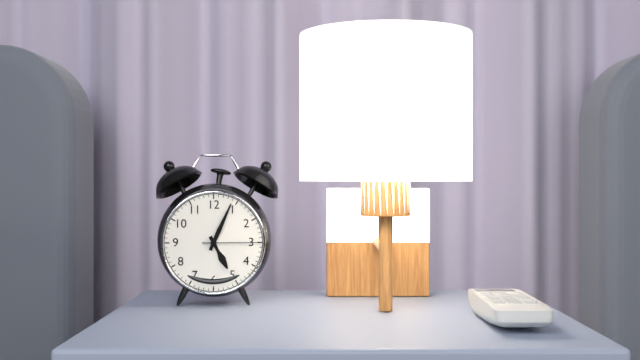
{"hour": 5, "minute": 4, "second": 15}
